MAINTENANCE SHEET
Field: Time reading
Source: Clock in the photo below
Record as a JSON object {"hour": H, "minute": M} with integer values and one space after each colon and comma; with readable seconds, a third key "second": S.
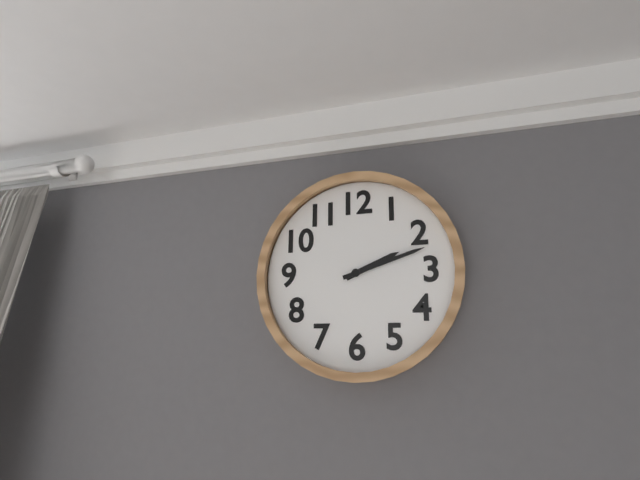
{"hour": 2, "minute": 12}
